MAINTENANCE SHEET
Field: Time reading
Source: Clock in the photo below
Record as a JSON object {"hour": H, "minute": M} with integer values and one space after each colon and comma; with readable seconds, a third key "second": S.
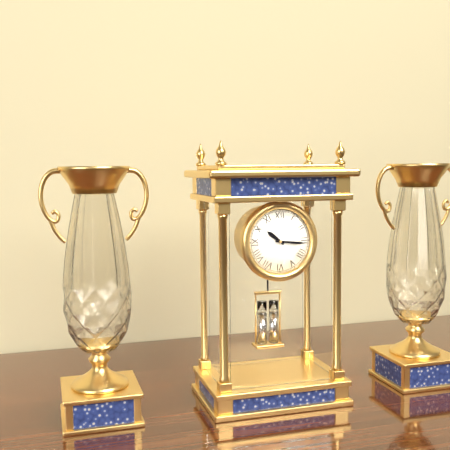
{"hour": 10, "minute": 16}
